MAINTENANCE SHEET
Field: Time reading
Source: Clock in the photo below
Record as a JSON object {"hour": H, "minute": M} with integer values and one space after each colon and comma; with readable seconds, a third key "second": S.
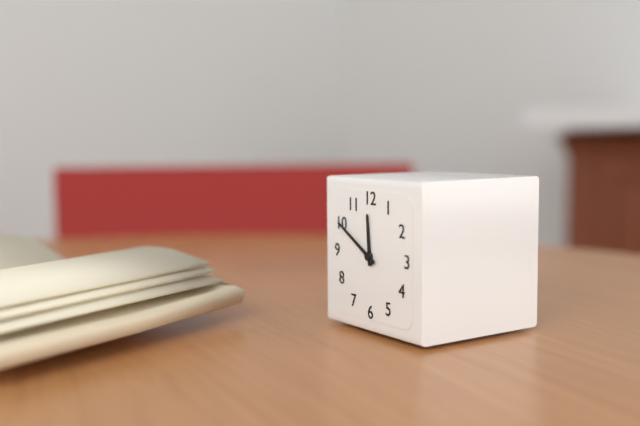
{"hour": 11, "minute": 50}
